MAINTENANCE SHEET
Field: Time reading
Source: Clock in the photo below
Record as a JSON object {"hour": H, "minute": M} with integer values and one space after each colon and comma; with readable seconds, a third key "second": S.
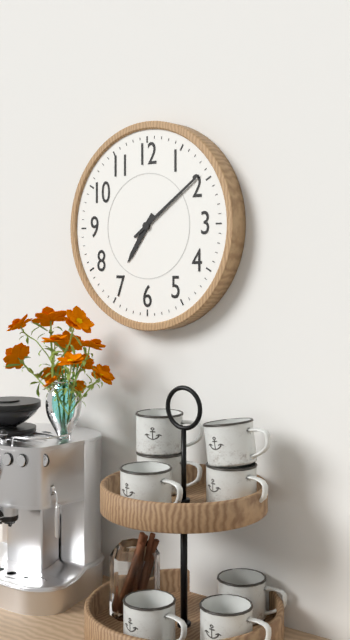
{"hour": 7, "minute": 9}
